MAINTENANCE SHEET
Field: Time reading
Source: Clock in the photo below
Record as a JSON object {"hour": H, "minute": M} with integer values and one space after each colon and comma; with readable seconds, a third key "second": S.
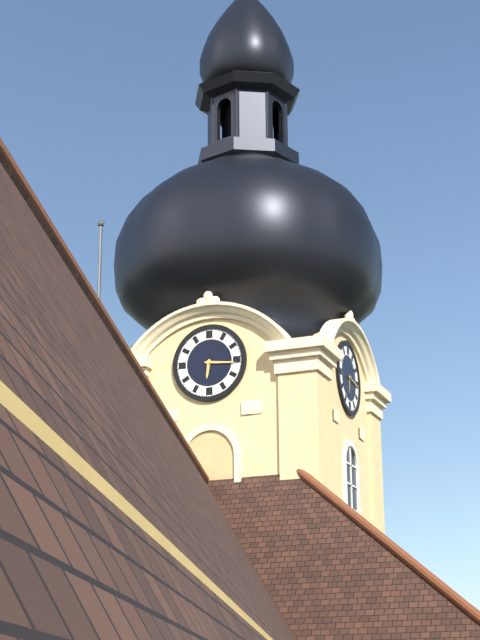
{"hour": 6, "minute": 16}
